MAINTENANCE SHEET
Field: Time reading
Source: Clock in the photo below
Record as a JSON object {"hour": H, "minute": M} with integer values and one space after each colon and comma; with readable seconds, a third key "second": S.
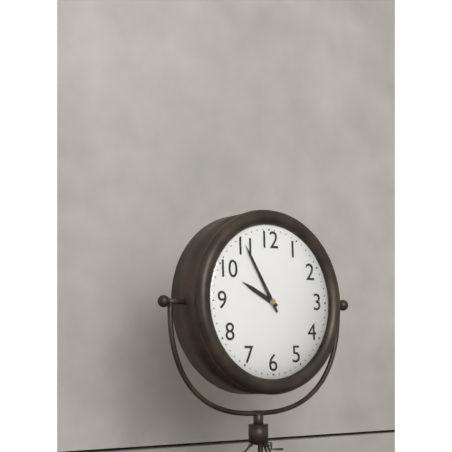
{"hour": 9, "minute": 55}
